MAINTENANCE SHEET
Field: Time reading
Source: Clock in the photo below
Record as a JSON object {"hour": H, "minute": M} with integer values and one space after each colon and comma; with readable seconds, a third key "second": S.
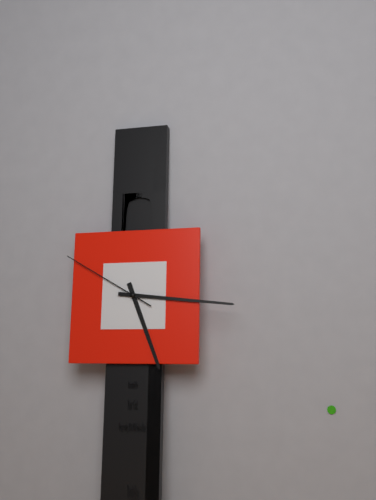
{"hour": 5, "minute": 16, "second": 50}
